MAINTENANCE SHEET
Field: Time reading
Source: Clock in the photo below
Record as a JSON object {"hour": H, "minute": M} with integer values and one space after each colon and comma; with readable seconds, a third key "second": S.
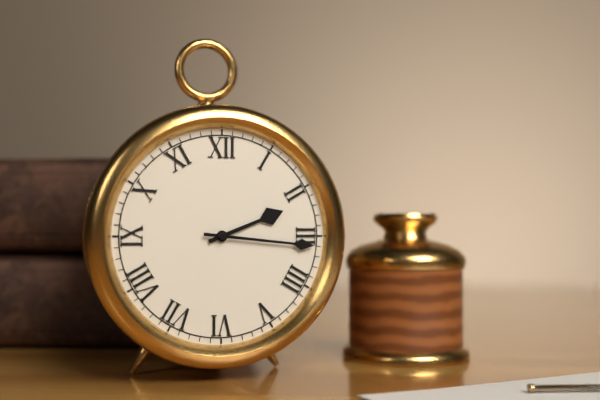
{"hour": 2, "minute": 16}
